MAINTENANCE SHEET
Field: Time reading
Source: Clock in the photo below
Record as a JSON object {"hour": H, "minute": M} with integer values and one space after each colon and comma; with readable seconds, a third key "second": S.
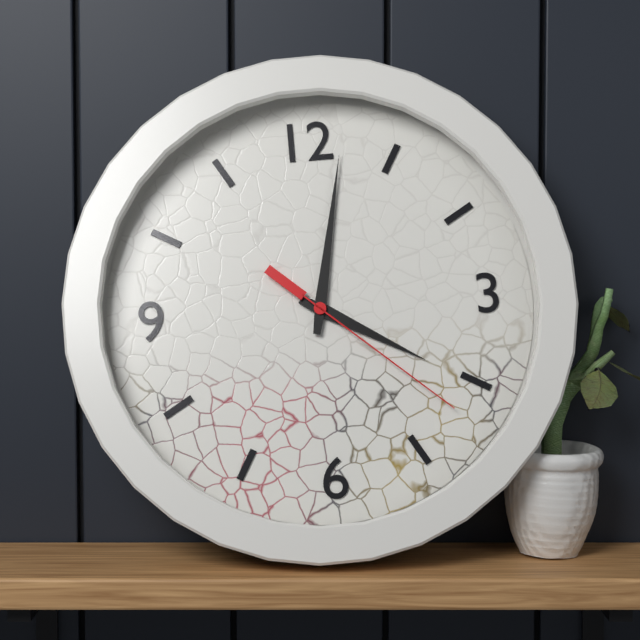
{"hour": 4, "minute": 2, "second": 22}
